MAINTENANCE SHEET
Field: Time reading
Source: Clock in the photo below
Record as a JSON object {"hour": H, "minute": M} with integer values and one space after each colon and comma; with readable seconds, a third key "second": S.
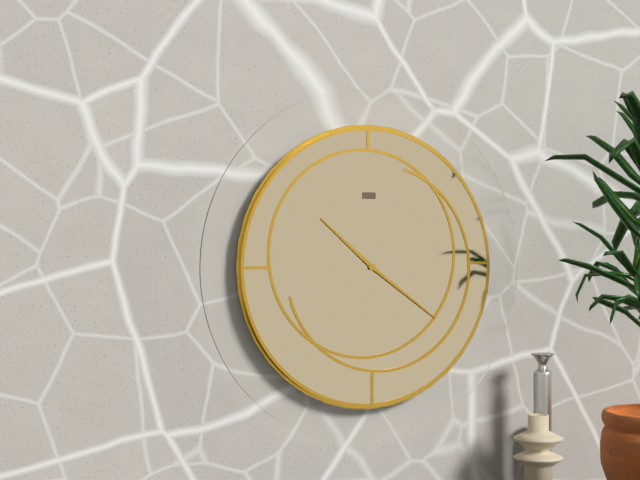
{"hour": 10, "minute": 21}
